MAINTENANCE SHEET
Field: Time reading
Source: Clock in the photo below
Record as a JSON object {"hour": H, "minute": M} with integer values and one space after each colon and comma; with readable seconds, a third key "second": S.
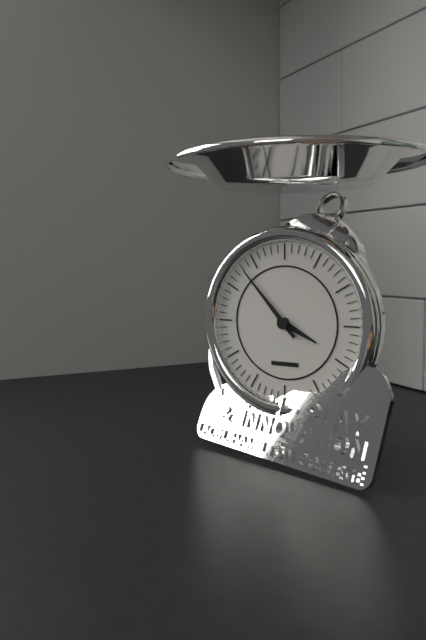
{"hour": 3, "minute": 53}
